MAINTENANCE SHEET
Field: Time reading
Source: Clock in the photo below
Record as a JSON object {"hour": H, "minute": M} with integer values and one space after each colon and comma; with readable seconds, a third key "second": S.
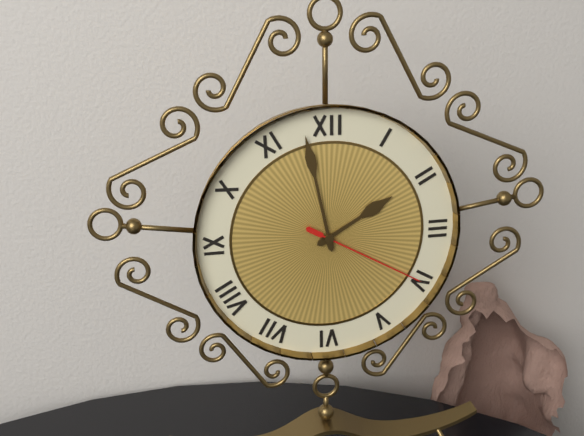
{"hour": 1, "minute": 58, "second": 20}
